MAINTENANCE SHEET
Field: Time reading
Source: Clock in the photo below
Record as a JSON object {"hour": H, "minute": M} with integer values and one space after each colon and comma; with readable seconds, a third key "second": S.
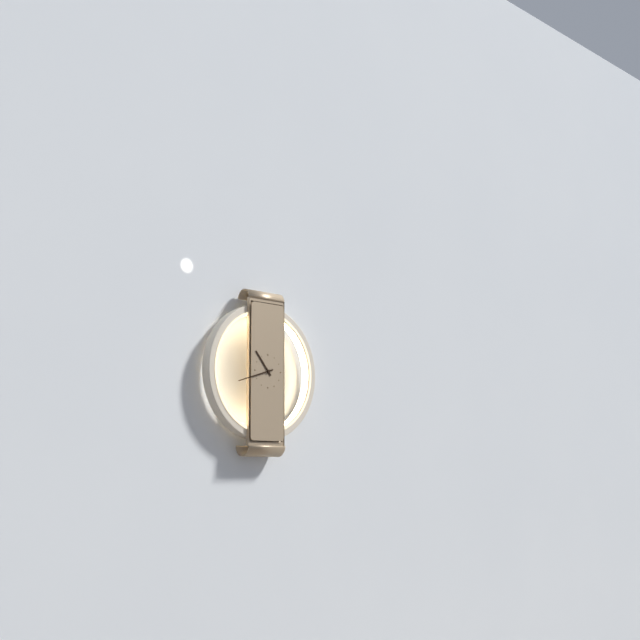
{"hour": 10, "minute": 42}
